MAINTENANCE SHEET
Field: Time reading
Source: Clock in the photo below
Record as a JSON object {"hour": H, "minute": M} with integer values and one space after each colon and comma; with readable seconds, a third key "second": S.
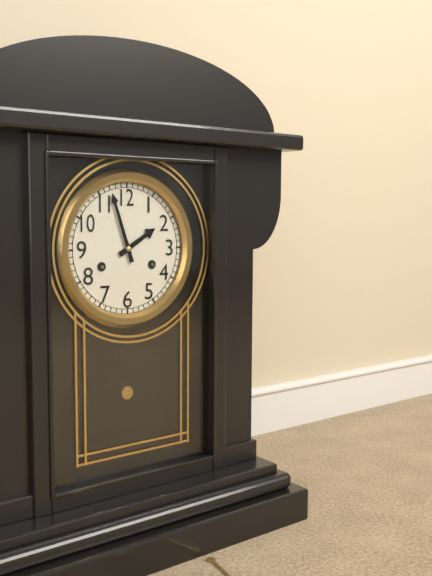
{"hour": 1, "minute": 57}
